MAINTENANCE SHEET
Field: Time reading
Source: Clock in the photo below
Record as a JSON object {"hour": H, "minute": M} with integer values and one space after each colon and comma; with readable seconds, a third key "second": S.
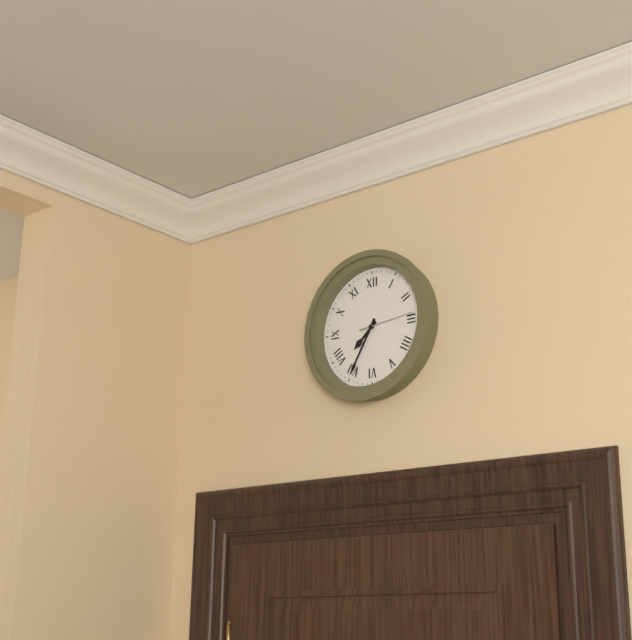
{"hour": 7, "minute": 35, "second": 14}
